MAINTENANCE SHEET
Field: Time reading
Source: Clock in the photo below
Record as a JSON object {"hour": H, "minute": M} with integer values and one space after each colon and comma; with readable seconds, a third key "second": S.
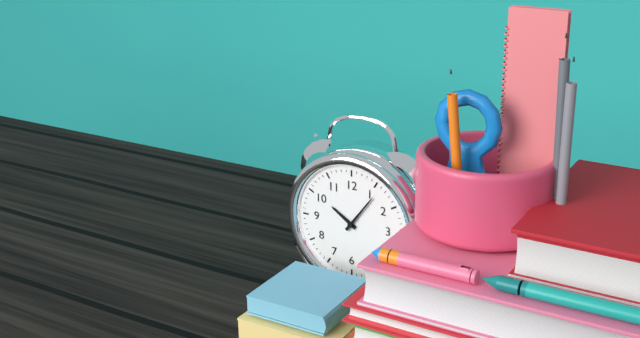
{"hour": 10, "minute": 6}
